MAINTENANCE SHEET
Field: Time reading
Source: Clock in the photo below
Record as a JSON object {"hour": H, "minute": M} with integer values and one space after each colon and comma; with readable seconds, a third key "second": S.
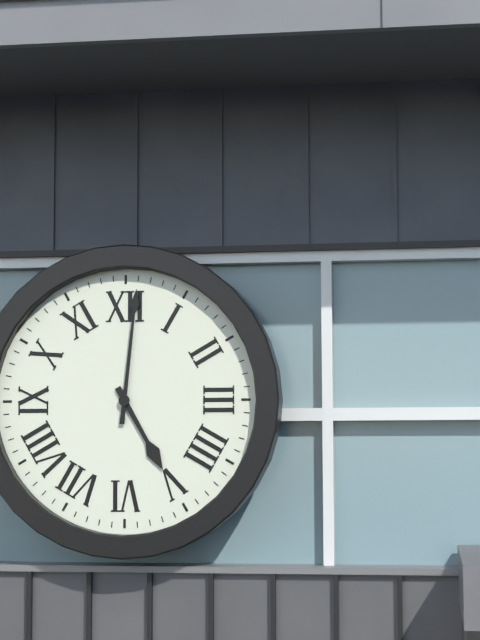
{"hour": 5, "minute": 1}
